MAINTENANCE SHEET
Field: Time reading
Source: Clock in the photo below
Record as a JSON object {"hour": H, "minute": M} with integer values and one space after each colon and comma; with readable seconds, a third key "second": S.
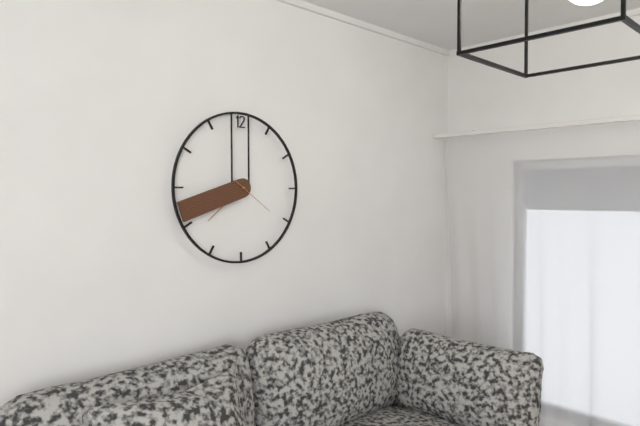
{"hour": 7, "minute": 42}
